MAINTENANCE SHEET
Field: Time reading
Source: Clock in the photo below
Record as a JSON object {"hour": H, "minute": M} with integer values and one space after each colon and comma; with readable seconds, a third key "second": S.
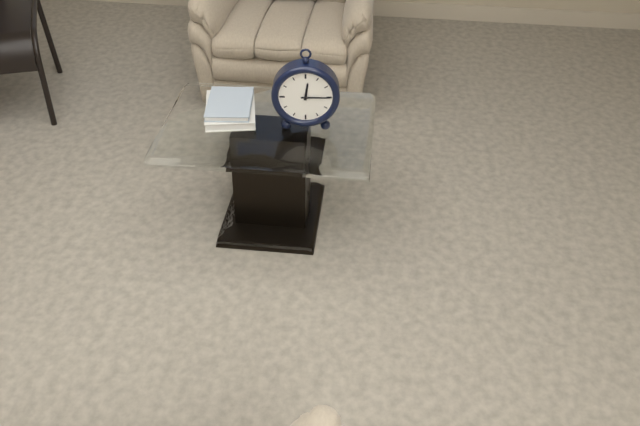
{"hour": 12, "minute": 15}
